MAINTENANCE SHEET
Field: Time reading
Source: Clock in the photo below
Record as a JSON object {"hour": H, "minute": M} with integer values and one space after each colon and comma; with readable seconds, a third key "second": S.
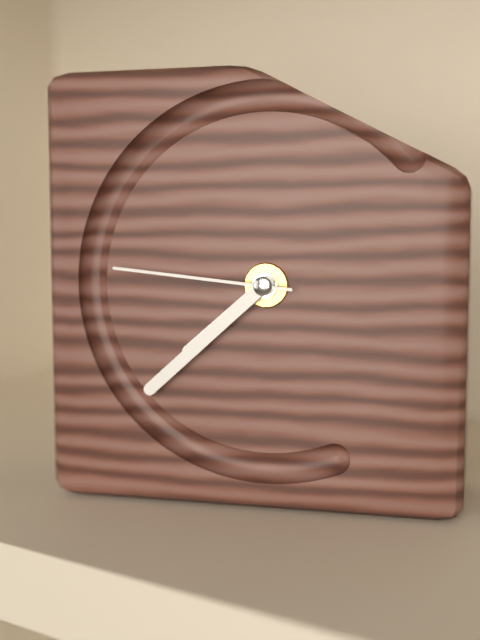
{"hour": 7, "minute": 38, "second": 46}
